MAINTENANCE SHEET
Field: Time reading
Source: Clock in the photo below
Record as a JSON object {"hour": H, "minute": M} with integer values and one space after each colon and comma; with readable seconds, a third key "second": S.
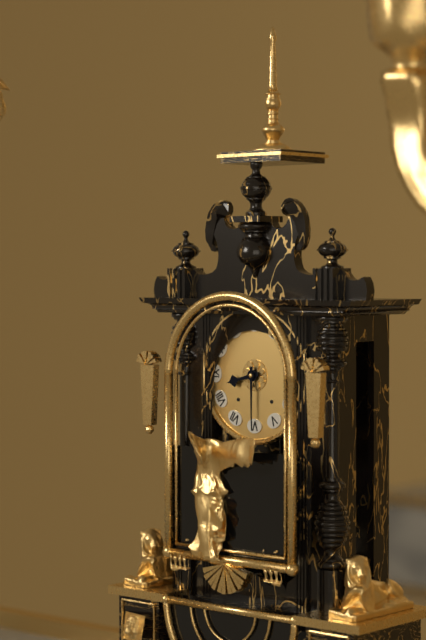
{"hour": 8, "minute": 30}
